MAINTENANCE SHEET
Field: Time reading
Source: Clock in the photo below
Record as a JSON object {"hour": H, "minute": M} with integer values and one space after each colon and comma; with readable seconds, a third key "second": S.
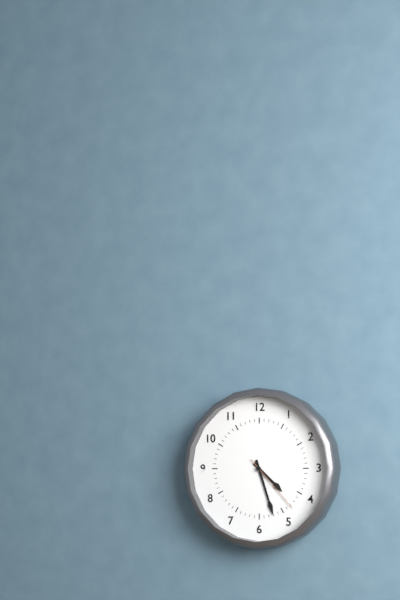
{"hour": 4, "minute": 27, "second": 23}
